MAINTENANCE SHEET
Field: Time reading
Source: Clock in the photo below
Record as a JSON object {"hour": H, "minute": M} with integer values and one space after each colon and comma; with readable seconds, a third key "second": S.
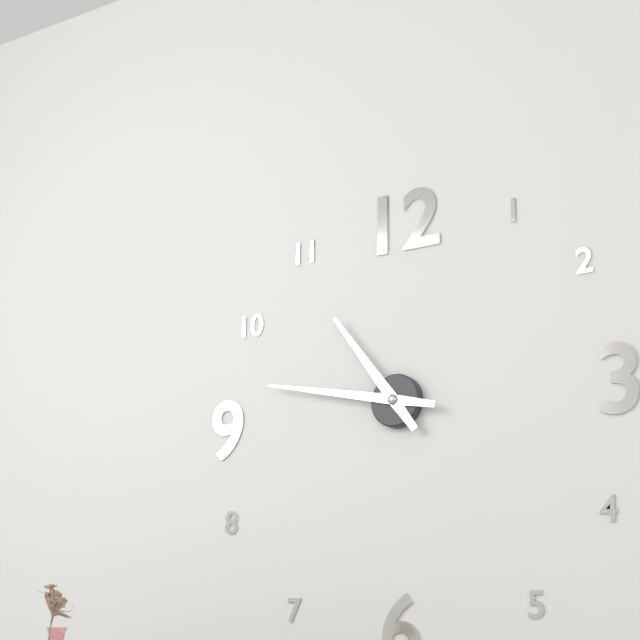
{"hour": 10, "minute": 47}
